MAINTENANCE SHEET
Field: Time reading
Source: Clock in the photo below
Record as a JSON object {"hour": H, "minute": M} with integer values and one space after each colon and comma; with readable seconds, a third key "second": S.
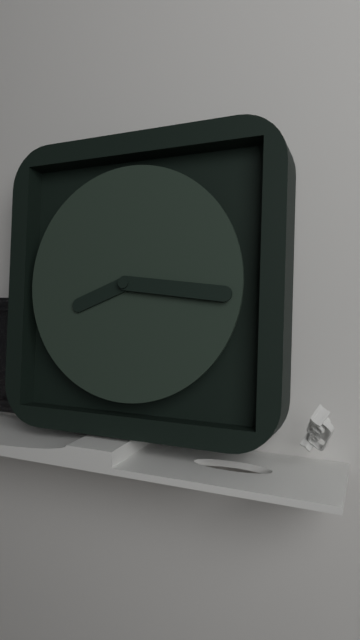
{"hour": 8, "minute": 16}
